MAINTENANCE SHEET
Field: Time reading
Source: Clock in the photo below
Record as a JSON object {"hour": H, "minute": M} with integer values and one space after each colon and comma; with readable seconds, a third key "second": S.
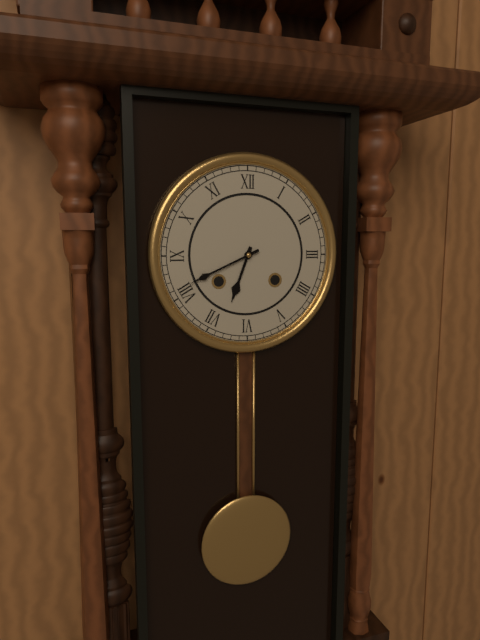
{"hour": 6, "minute": 41}
